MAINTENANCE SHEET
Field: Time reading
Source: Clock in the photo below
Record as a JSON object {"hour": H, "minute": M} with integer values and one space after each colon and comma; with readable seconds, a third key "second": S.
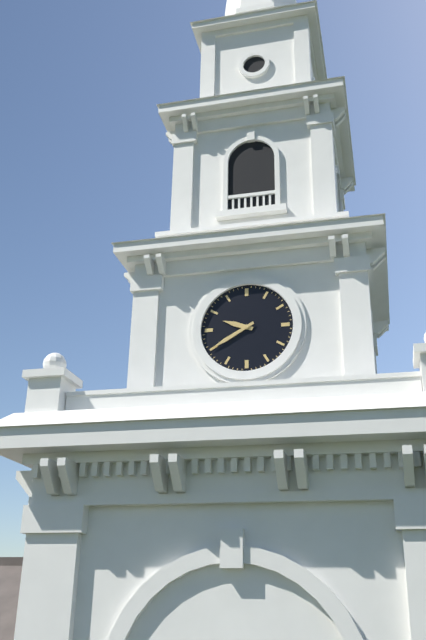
{"hour": 9, "minute": 40}
